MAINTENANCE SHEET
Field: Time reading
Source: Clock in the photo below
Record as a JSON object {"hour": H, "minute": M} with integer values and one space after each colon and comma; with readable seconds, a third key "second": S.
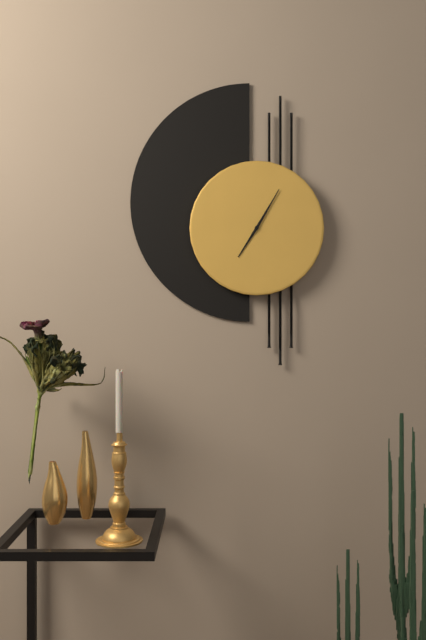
{"hour": 7, "minute": 5}
